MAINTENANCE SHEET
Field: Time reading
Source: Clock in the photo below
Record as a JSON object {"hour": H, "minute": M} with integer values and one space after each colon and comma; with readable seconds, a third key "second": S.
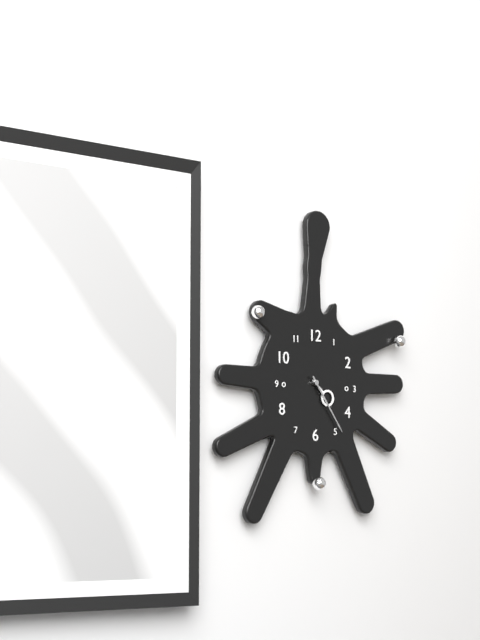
{"hour": 4, "minute": 24}
